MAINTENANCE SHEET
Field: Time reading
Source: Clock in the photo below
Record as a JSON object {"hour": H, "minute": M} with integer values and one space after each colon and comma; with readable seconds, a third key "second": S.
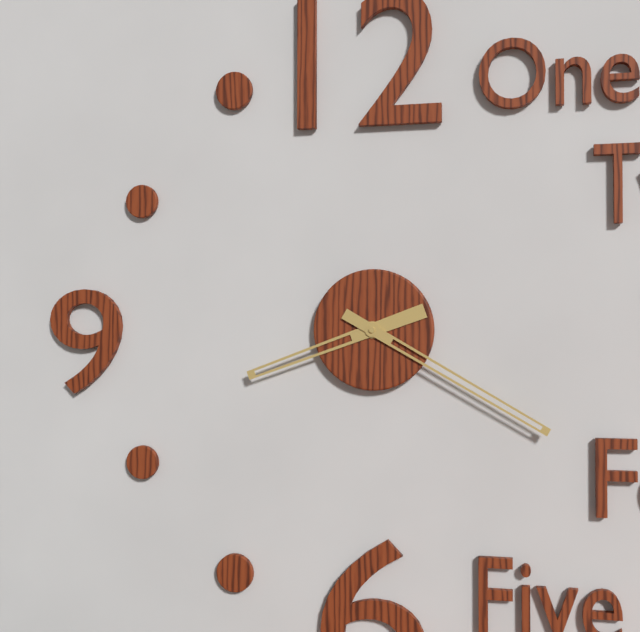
{"hour": 8, "minute": 20}
